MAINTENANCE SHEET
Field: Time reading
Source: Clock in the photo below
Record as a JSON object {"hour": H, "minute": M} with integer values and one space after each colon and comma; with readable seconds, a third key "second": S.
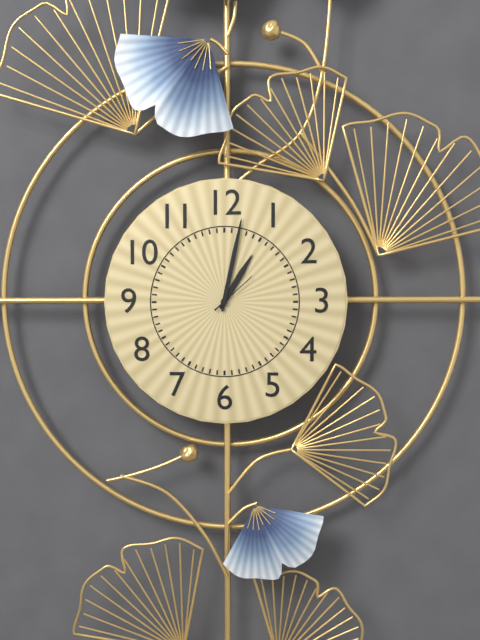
{"hour": 1, "minute": 2}
